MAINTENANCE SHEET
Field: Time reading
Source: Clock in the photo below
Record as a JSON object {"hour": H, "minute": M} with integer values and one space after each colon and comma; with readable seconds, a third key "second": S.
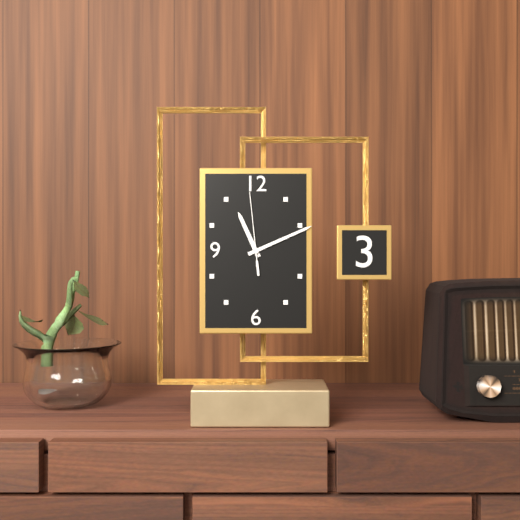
{"hour": 11, "minute": 11, "second": 59}
